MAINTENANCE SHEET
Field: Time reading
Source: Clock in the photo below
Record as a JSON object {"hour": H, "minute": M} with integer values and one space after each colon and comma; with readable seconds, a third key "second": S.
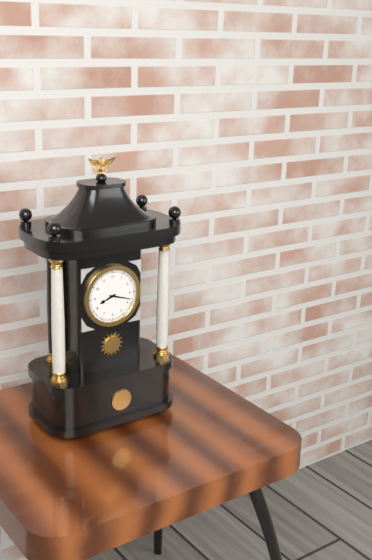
{"hour": 8, "minute": 18}
